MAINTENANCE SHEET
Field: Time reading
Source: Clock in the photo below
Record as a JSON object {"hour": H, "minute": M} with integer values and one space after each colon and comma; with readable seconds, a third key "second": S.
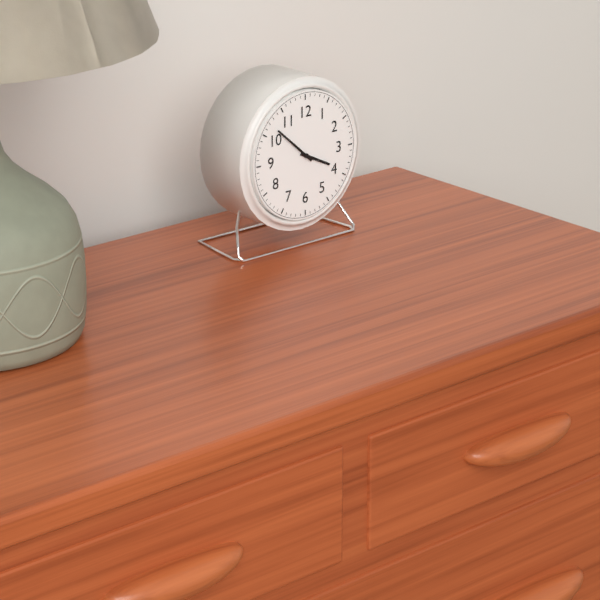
{"hour": 3, "minute": 52}
